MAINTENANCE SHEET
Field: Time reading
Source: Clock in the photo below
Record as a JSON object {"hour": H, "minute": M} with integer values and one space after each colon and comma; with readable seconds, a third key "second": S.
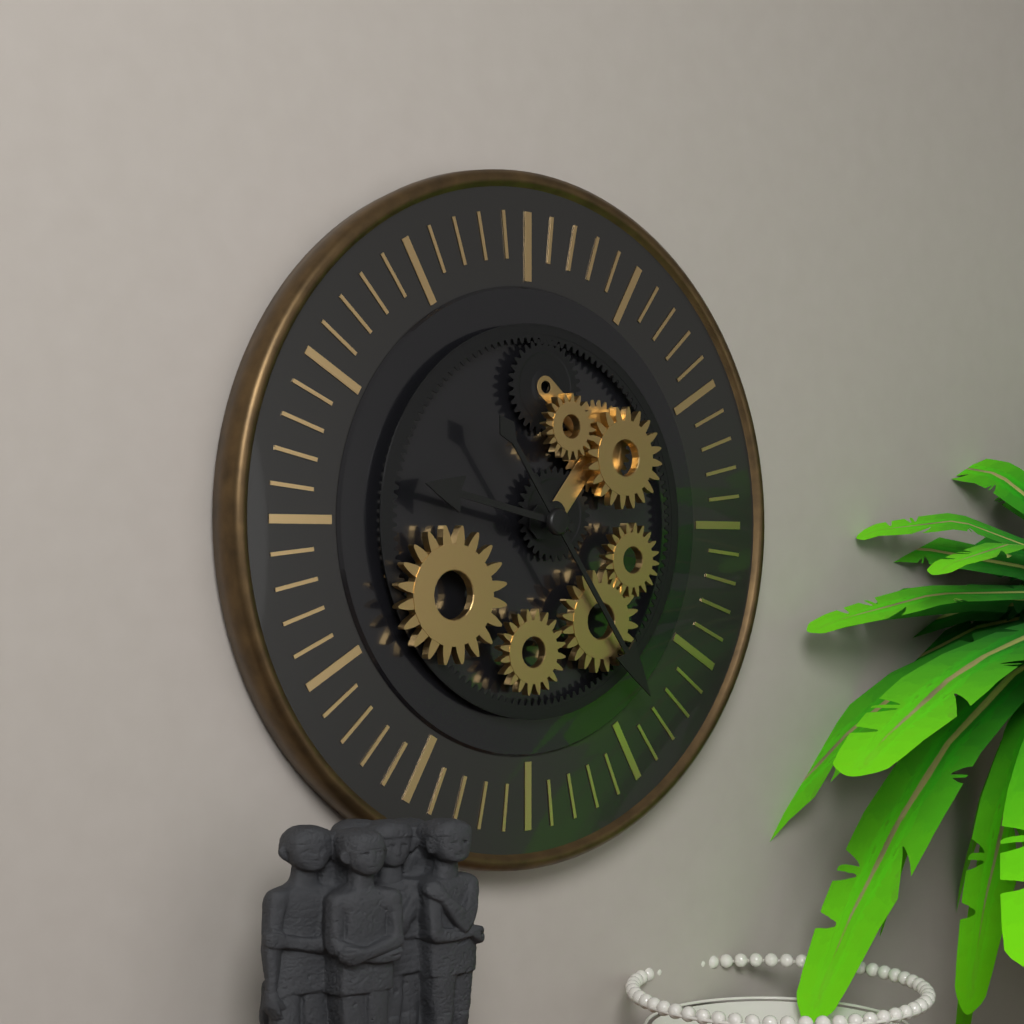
{"hour": 9, "minute": 24}
